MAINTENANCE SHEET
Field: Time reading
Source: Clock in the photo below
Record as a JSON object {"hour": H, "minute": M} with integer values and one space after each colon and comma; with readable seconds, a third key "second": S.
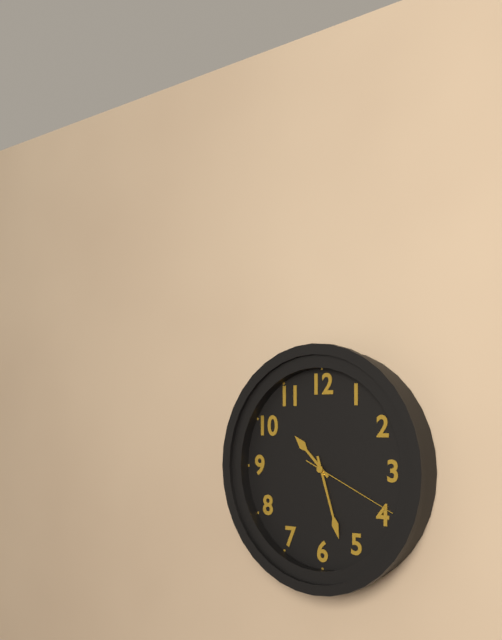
{"hour": 10, "minute": 27, "second": 19}
